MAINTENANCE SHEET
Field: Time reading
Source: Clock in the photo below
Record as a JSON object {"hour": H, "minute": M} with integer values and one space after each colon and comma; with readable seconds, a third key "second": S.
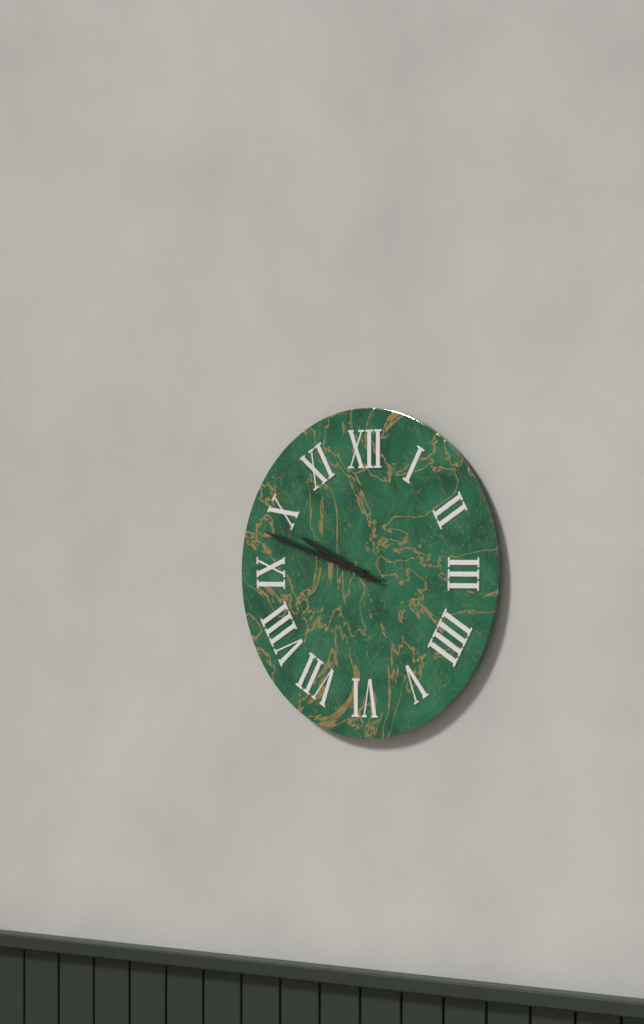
{"hour": 9, "minute": 48}
